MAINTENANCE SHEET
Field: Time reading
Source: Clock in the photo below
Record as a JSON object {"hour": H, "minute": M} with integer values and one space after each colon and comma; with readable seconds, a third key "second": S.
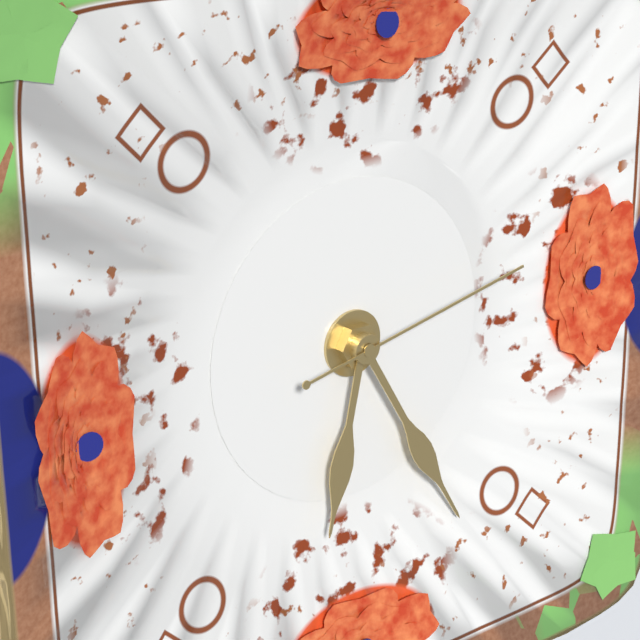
{"hour": 6, "minute": 25, "second": 13}
